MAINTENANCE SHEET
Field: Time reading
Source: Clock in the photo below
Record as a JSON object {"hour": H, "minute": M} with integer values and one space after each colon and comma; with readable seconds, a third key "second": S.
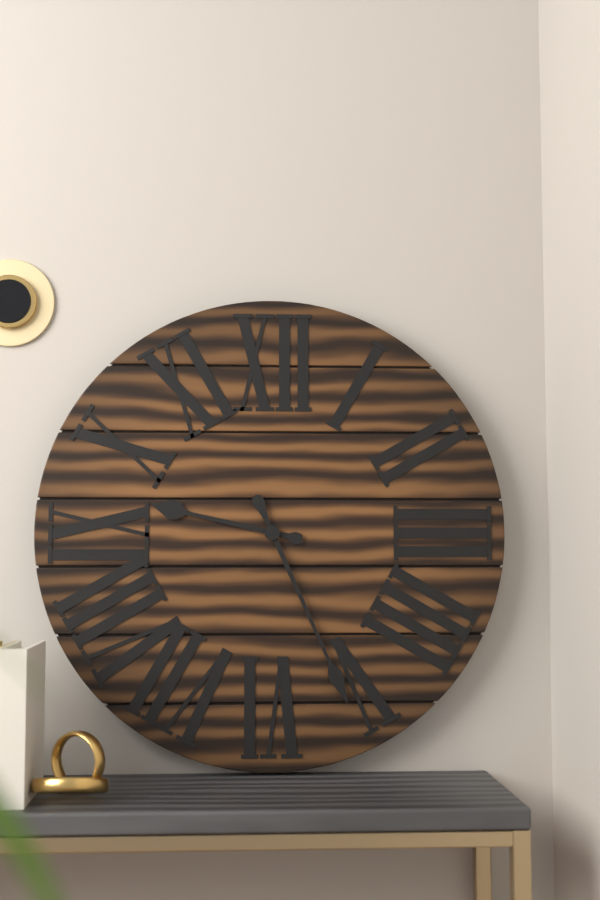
{"hour": 9, "minute": 26}
